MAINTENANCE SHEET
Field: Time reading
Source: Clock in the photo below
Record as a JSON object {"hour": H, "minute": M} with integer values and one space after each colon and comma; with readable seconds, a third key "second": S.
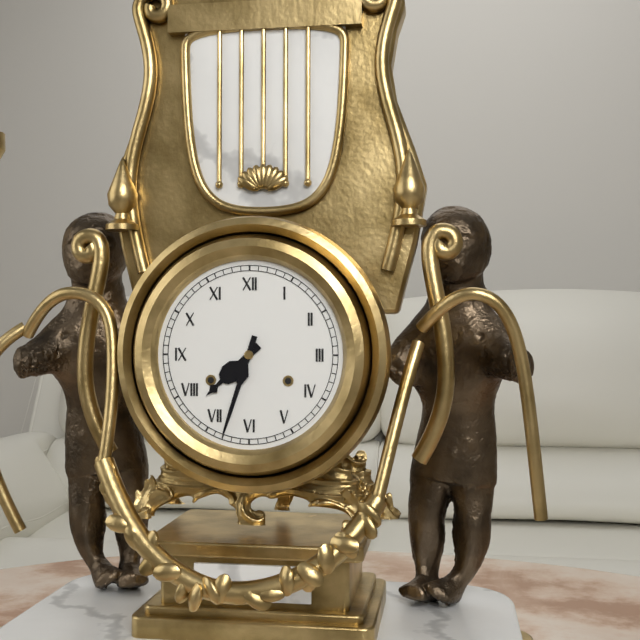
{"hour": 7, "minute": 33}
